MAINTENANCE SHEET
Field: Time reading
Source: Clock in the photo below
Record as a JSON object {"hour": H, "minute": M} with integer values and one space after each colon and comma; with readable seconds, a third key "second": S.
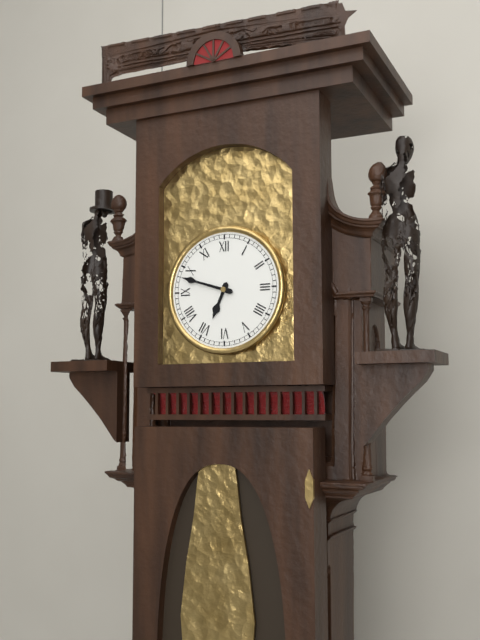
{"hour": 6, "minute": 48}
